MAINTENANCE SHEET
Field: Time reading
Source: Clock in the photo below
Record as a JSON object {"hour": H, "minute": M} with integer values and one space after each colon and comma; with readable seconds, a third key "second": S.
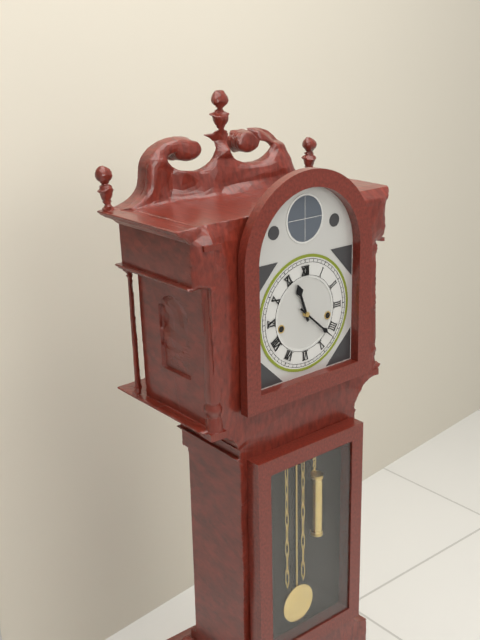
{"hour": 11, "minute": 22}
